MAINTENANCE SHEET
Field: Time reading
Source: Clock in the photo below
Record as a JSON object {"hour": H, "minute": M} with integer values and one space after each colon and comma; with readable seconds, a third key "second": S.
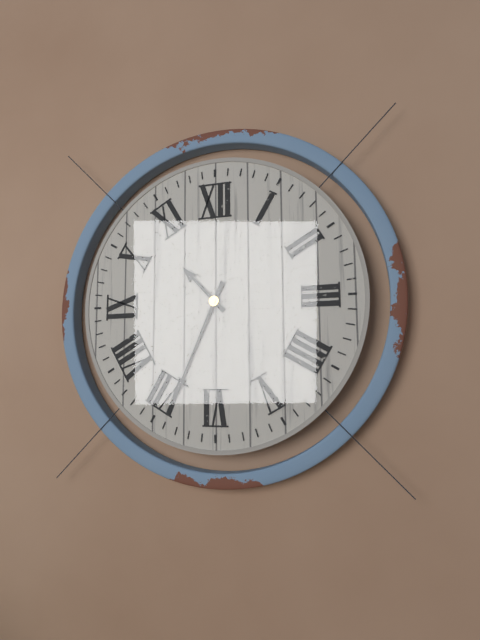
{"hour": 10, "minute": 34}
